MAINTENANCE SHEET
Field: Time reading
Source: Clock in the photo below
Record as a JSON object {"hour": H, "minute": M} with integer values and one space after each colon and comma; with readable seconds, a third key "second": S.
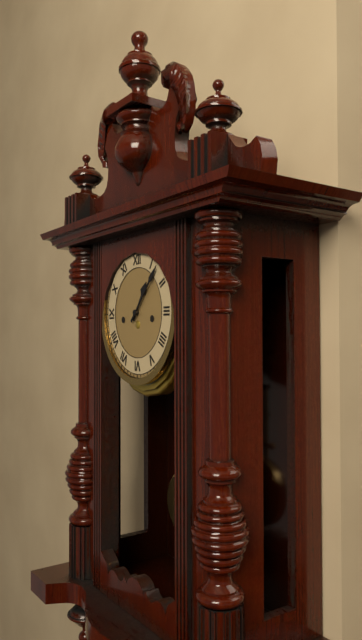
{"hour": 1, "minute": 7}
